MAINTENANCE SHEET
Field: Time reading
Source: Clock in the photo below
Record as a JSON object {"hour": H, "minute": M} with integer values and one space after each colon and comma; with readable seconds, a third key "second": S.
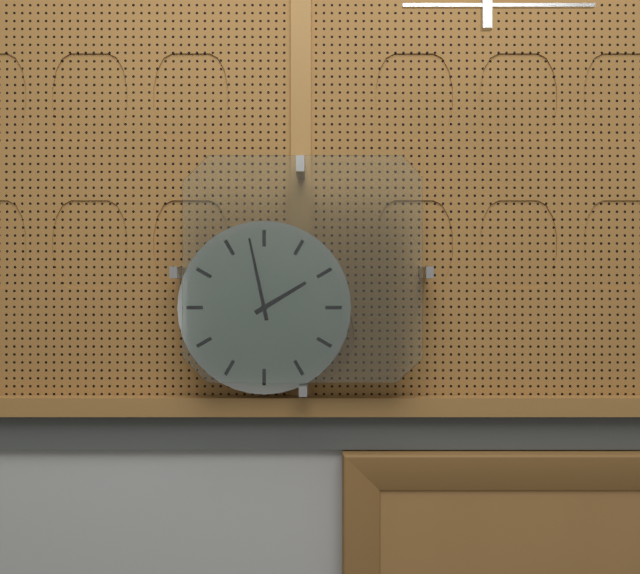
{"hour": 1, "minute": 58}
